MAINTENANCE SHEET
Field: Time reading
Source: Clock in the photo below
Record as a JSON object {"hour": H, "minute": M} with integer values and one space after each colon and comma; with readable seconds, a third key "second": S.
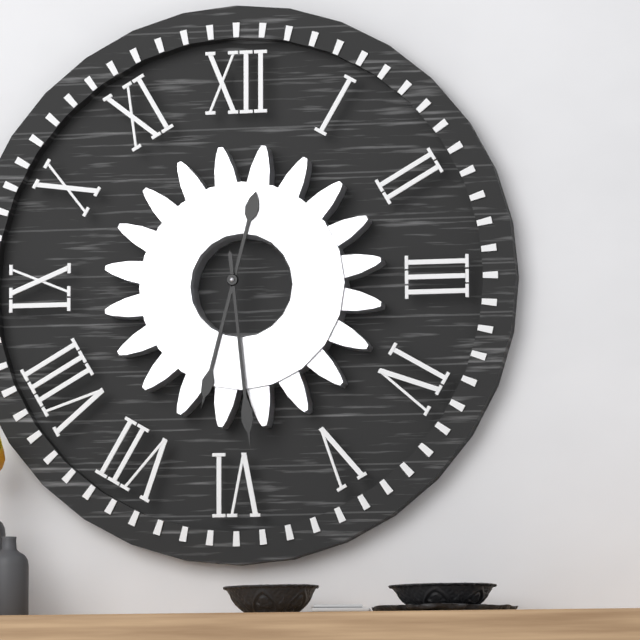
{"hour": 6, "minute": 29}
